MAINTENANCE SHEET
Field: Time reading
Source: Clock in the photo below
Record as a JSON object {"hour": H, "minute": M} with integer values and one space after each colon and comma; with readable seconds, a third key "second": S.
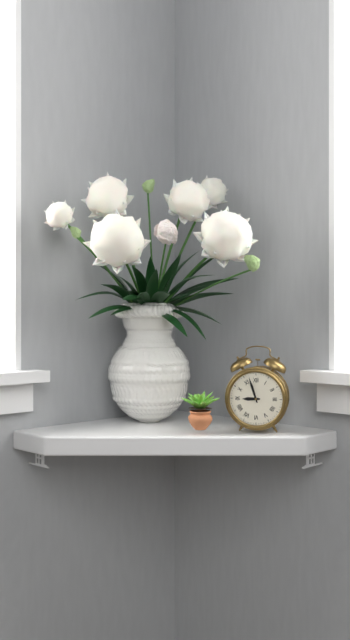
{"hour": 8, "minute": 57}
